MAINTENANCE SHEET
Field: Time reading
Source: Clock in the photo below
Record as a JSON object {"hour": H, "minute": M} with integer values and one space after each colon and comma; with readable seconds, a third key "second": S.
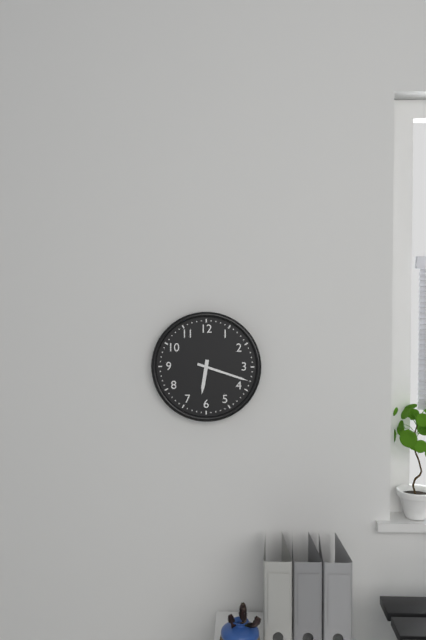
{"hour": 6, "minute": 18}
